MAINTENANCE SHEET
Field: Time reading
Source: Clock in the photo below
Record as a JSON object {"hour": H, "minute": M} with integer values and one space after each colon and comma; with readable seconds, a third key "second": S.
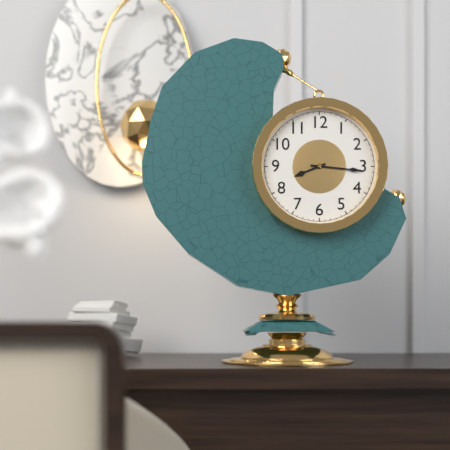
{"hour": 8, "minute": 16}
